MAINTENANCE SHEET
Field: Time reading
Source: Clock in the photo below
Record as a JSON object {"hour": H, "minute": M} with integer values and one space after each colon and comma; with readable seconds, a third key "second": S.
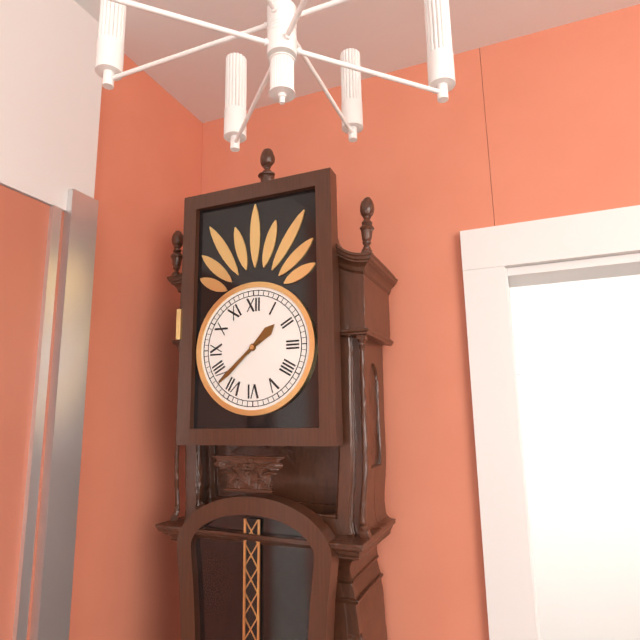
{"hour": 1, "minute": 38}
